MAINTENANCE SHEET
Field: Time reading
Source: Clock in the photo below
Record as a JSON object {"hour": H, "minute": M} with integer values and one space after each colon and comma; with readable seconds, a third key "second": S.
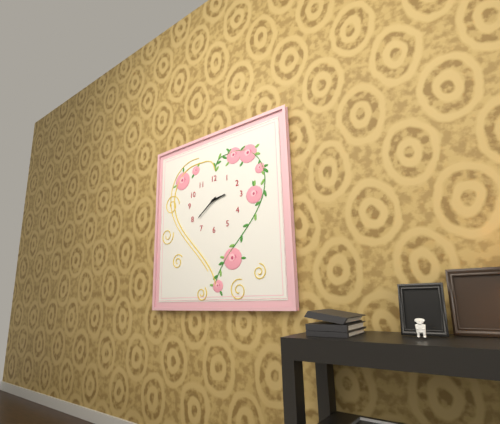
{"hour": 2, "minute": 39}
